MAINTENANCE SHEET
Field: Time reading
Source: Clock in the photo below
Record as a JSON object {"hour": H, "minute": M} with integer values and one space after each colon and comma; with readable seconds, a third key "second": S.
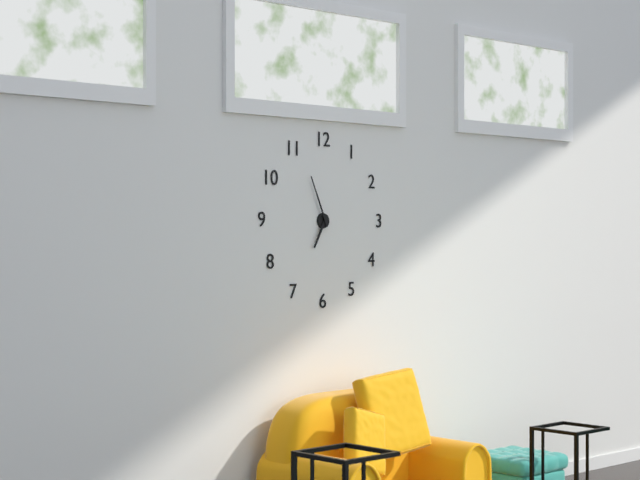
{"hour": 6, "minute": 56}
